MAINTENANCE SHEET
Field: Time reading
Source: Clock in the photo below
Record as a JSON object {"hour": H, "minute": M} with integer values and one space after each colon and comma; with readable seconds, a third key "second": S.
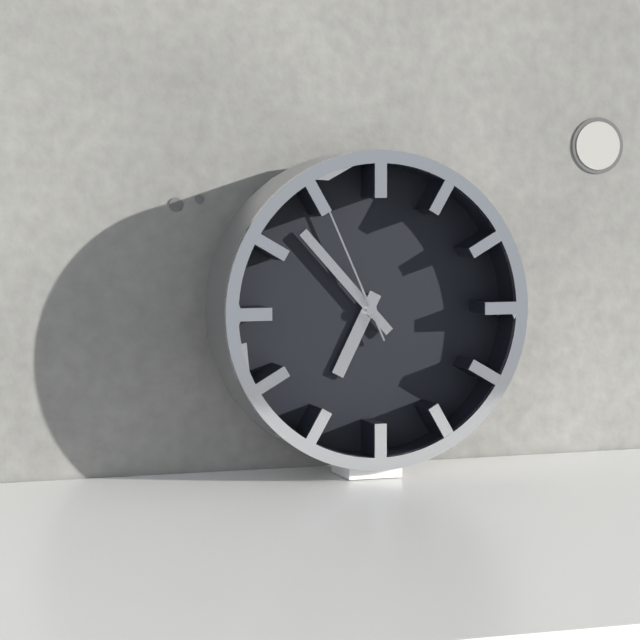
{"hour": 6, "minute": 53, "second": 56}
